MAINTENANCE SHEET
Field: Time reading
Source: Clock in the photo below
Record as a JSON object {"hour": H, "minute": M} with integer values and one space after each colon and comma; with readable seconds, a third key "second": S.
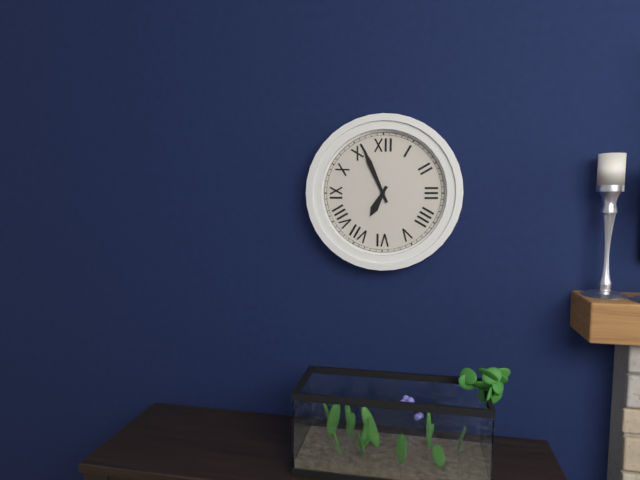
{"hour": 6, "minute": 56}
